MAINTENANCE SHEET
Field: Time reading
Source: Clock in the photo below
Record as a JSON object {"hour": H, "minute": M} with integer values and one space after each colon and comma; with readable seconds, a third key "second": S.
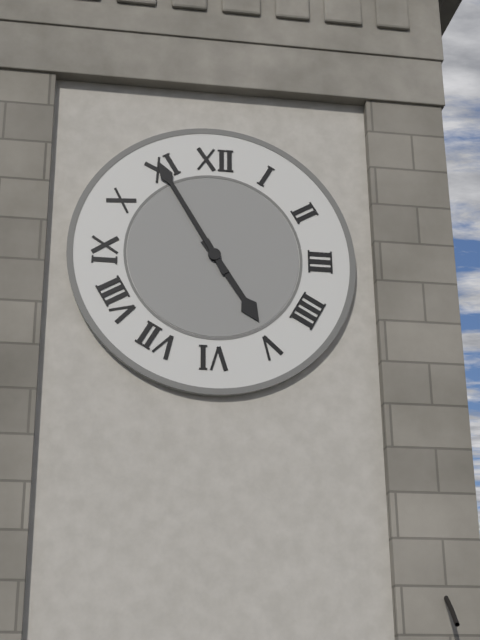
{"hour": 4, "minute": 55}
